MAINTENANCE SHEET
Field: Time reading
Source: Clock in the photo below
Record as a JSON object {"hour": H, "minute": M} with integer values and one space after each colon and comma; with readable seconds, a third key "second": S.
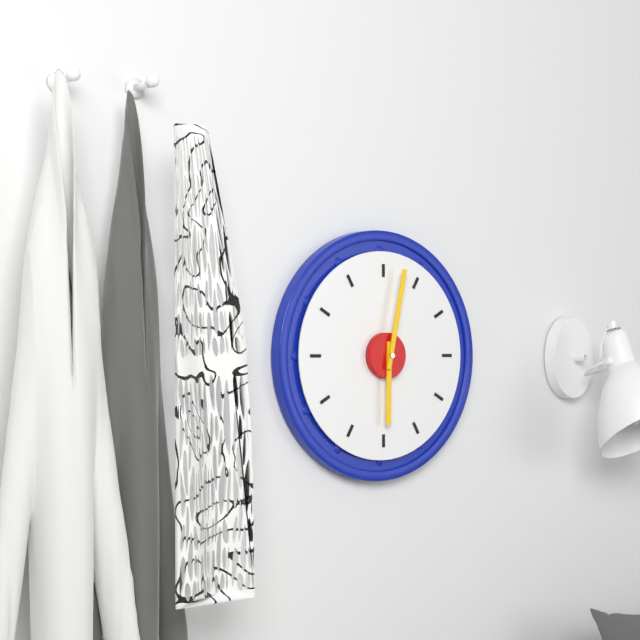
{"hour": 6, "minute": 2}
